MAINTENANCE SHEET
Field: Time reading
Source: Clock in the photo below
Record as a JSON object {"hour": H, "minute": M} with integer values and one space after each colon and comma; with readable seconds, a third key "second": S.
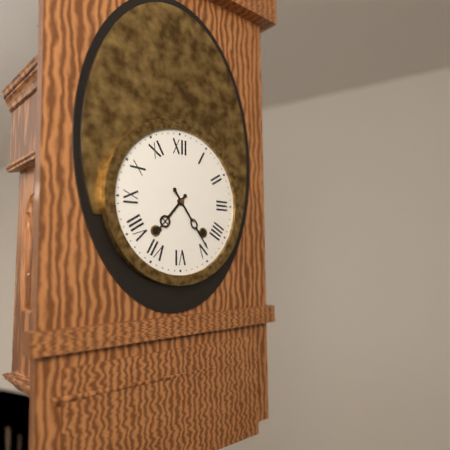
{"hour": 7, "minute": 24}
